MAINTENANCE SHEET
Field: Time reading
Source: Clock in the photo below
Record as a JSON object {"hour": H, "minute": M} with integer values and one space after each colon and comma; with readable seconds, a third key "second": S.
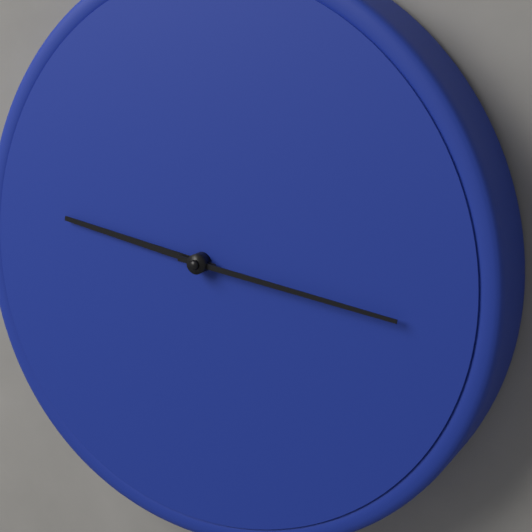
{"hour": 9, "minute": 16}
